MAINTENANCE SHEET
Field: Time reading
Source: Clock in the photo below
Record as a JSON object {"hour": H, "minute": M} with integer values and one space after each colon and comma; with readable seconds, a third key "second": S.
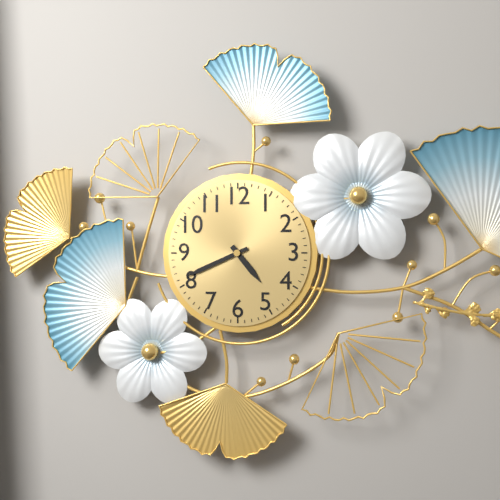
{"hour": 4, "minute": 41}
